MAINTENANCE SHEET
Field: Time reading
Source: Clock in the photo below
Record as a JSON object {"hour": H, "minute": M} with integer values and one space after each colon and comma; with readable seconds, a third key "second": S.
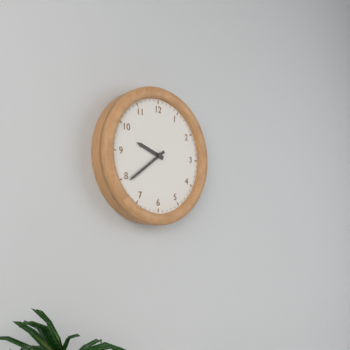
{"hour": 9, "minute": 39}
